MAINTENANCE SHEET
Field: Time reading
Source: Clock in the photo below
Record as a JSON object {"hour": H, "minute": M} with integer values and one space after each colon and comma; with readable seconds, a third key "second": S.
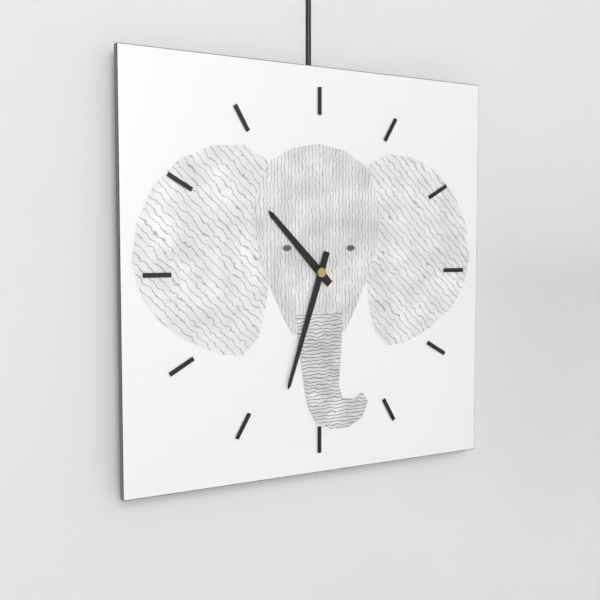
{"hour": 10, "minute": 33}
